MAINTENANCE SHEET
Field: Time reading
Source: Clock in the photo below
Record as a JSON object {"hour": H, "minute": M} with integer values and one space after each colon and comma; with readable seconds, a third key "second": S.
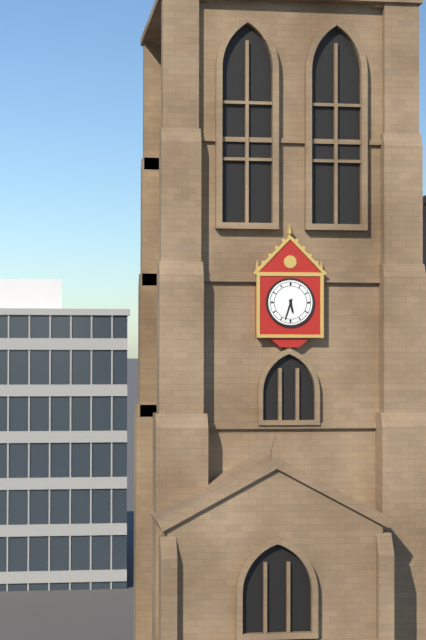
{"hour": 5, "minute": 33}
